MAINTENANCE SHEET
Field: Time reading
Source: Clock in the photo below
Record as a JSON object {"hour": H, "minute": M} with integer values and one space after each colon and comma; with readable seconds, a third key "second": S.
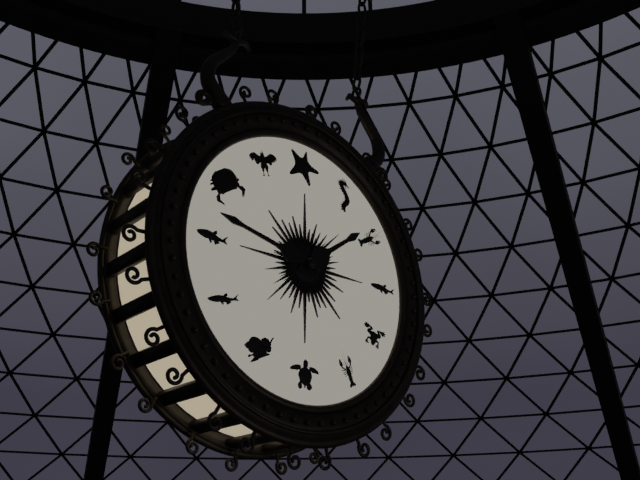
{"hour": 1, "minute": 47}
